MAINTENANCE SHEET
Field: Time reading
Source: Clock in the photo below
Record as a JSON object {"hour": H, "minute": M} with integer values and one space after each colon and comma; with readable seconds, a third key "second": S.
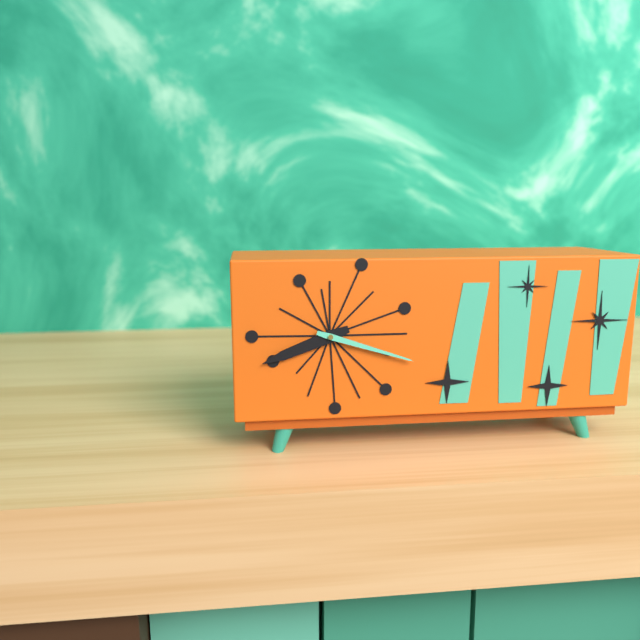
{"hour": 8, "minute": 18}
